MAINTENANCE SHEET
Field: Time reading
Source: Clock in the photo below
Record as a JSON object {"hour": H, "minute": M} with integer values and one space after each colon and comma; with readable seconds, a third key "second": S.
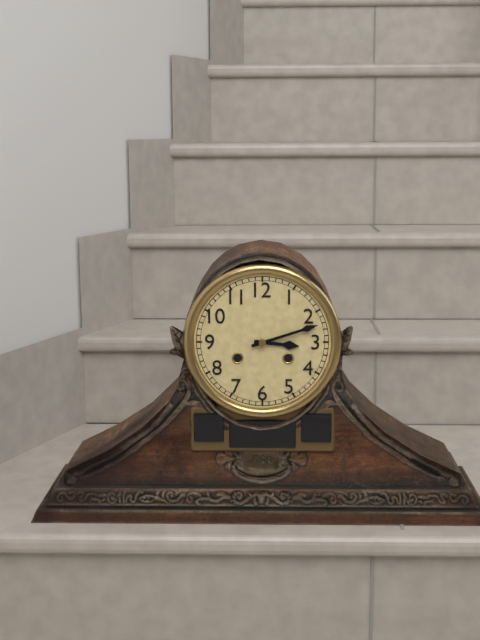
{"hour": 3, "minute": 12}
